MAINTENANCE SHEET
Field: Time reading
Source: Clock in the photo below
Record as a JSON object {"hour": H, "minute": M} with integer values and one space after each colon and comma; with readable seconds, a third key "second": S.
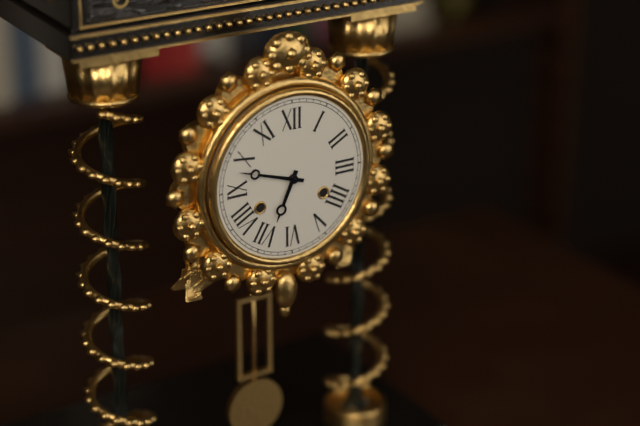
{"hour": 6, "minute": 48}
